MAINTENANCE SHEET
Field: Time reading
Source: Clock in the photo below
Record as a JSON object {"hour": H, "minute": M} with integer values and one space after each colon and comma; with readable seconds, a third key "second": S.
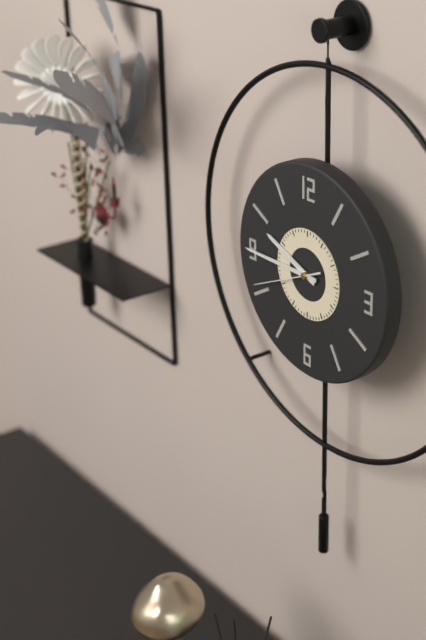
{"hour": 9, "minute": 45, "second": 41}
